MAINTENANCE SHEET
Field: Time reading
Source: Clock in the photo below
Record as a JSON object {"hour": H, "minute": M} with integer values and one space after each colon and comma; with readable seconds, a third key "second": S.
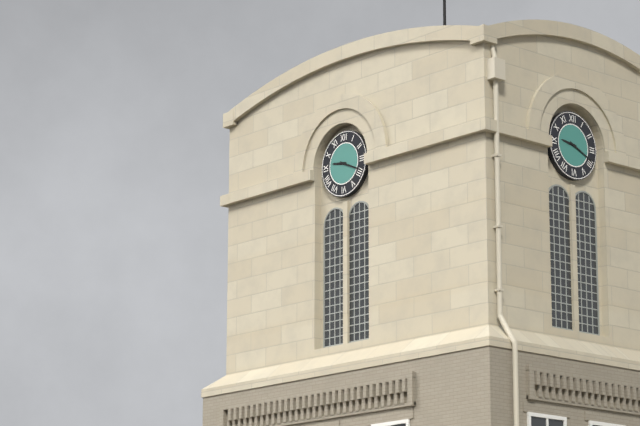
{"hour": 9, "minute": 19}
